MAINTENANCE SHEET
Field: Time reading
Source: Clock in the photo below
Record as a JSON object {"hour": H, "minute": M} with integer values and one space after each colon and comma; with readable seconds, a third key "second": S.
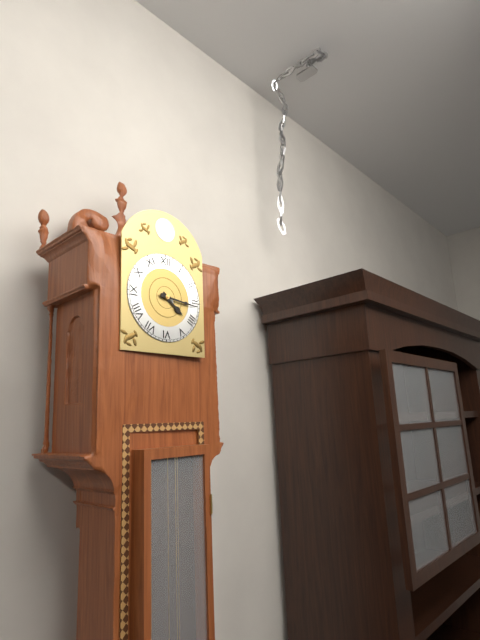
{"hour": 4, "minute": 16}
